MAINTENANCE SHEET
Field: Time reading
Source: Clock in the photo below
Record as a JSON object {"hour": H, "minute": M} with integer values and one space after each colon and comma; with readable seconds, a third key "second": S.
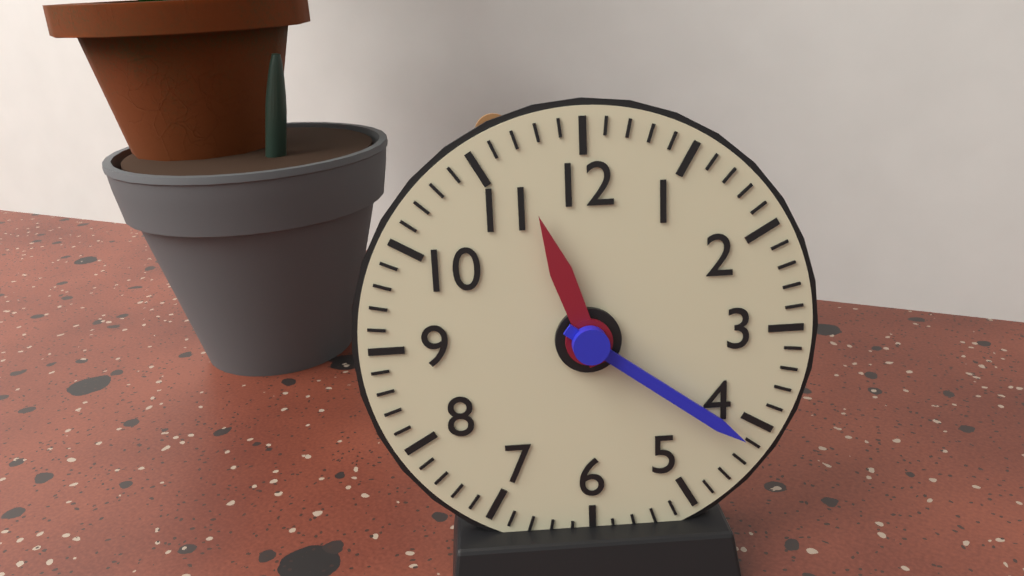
{"hour": 11, "minute": 21}
